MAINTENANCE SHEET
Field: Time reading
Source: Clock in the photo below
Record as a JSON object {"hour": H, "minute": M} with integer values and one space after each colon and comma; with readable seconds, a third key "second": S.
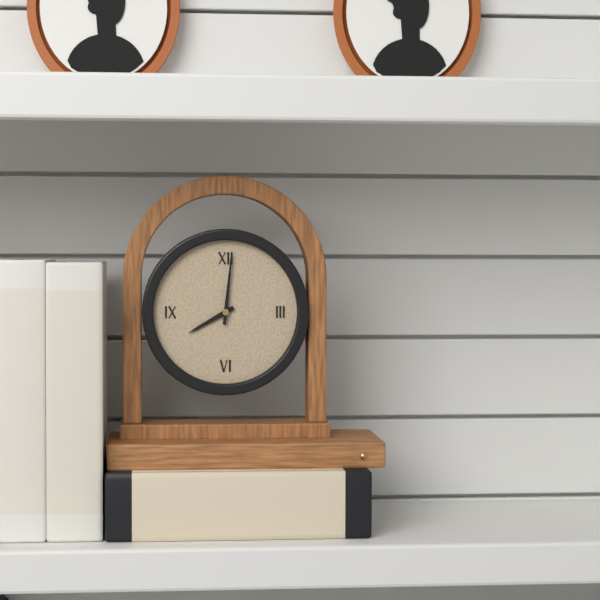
{"hour": 8, "minute": 1}
